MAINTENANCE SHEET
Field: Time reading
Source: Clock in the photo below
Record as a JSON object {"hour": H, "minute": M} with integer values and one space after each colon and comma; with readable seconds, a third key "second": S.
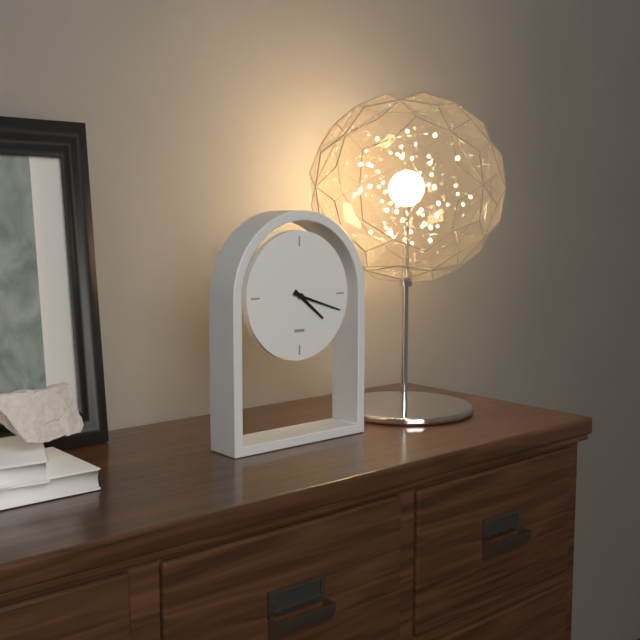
{"hour": 4, "minute": 18}
